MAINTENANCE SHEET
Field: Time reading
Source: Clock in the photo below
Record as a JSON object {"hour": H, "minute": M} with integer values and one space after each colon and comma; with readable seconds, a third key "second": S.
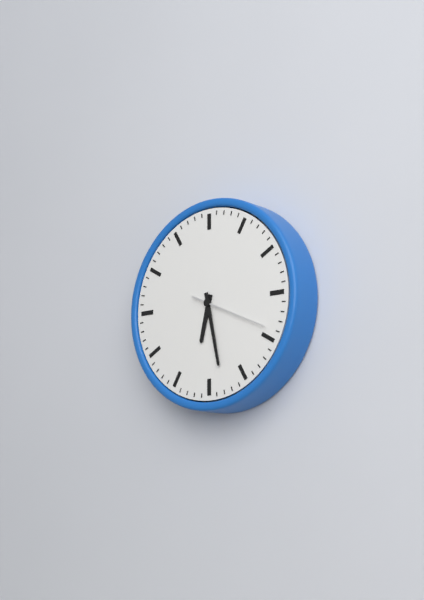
{"hour": 6, "minute": 28, "second": 19}
